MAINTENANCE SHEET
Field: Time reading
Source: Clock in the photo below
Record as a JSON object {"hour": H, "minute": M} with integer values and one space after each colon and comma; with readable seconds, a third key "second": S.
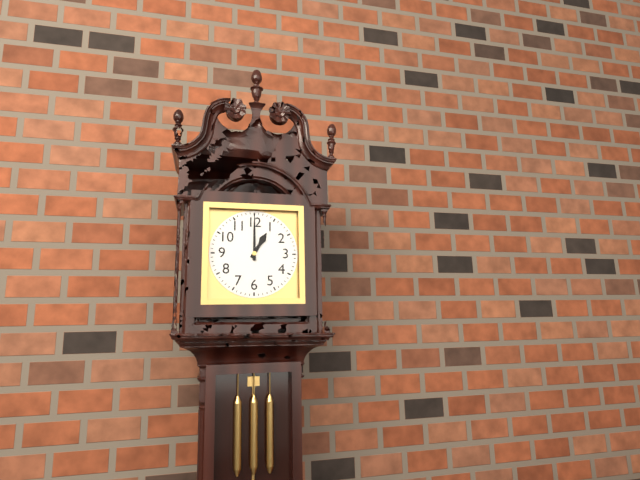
{"hour": 1, "minute": 0}
